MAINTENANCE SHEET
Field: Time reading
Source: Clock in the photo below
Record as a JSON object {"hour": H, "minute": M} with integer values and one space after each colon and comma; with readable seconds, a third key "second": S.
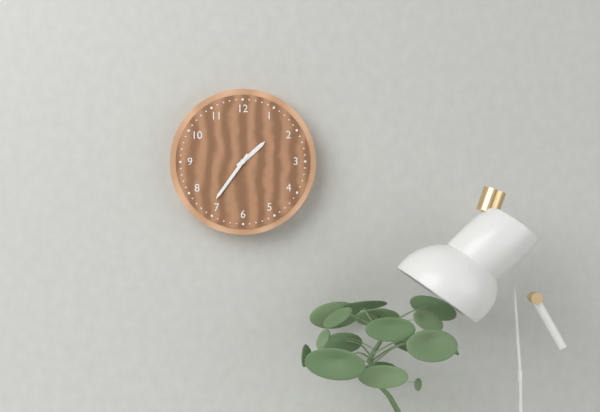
{"hour": 1, "minute": 36}
